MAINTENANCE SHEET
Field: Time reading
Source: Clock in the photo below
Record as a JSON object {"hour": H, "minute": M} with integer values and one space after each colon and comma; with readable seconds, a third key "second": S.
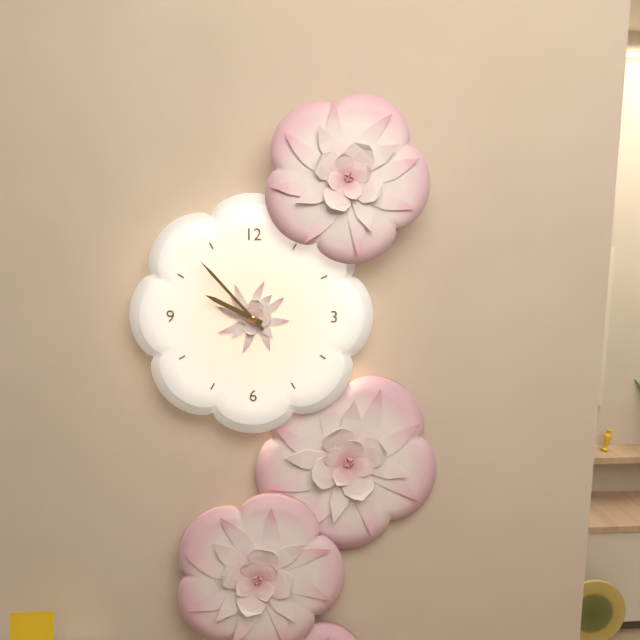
{"hour": 9, "minute": 53}
